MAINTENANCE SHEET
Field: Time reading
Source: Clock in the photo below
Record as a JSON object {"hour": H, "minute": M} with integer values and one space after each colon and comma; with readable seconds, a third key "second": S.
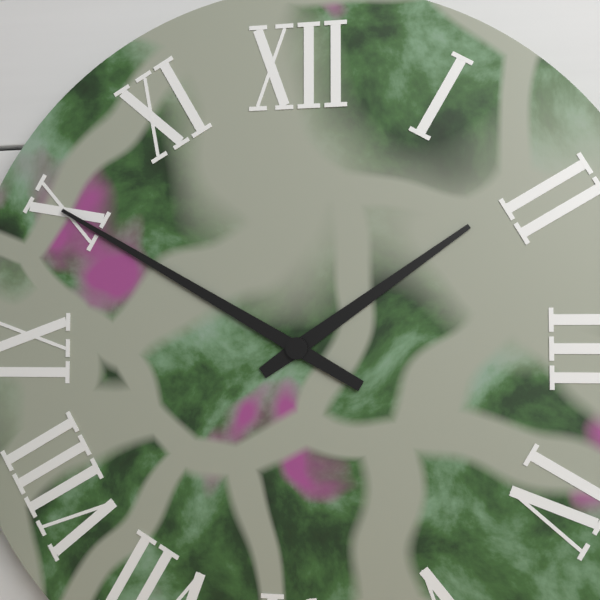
{"hour": 1, "minute": 50}
